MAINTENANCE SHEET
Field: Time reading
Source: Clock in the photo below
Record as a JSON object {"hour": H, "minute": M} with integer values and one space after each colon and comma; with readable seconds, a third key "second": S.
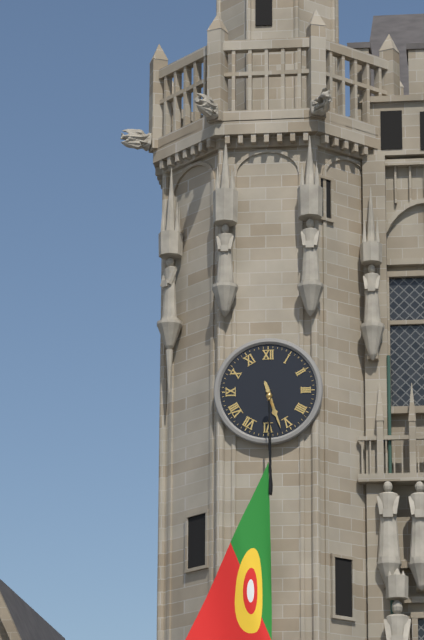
{"hour": 5, "minute": 27}
